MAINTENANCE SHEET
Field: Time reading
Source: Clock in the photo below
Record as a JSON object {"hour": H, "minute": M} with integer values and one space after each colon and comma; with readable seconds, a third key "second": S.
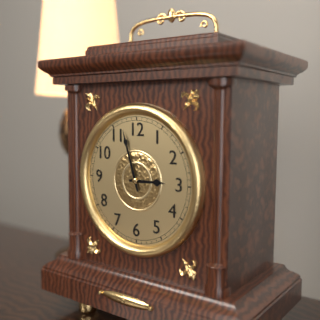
{"hour": 2, "minute": 57}
